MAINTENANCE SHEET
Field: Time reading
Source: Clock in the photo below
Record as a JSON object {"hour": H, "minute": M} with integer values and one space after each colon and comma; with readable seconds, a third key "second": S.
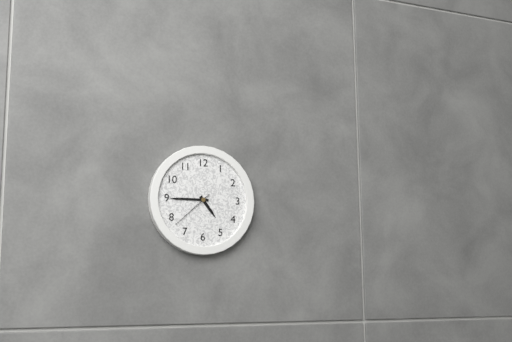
{"hour": 4, "minute": 45}
